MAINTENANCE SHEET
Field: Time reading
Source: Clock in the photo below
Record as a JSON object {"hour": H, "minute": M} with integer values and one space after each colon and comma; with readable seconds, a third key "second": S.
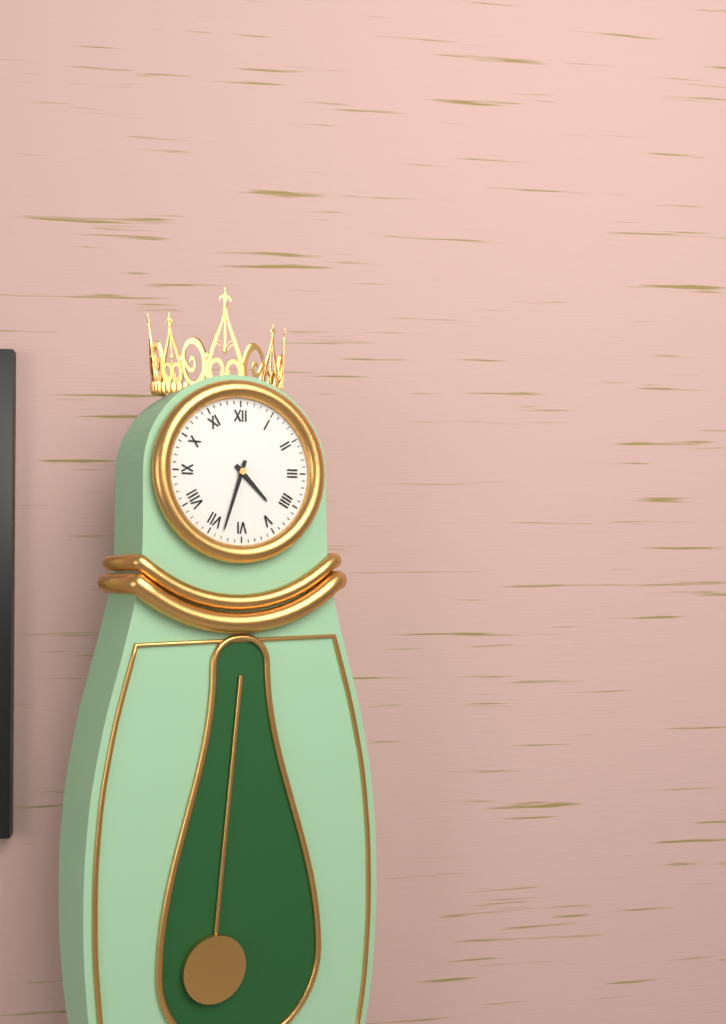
{"hour": 4, "minute": 33}
